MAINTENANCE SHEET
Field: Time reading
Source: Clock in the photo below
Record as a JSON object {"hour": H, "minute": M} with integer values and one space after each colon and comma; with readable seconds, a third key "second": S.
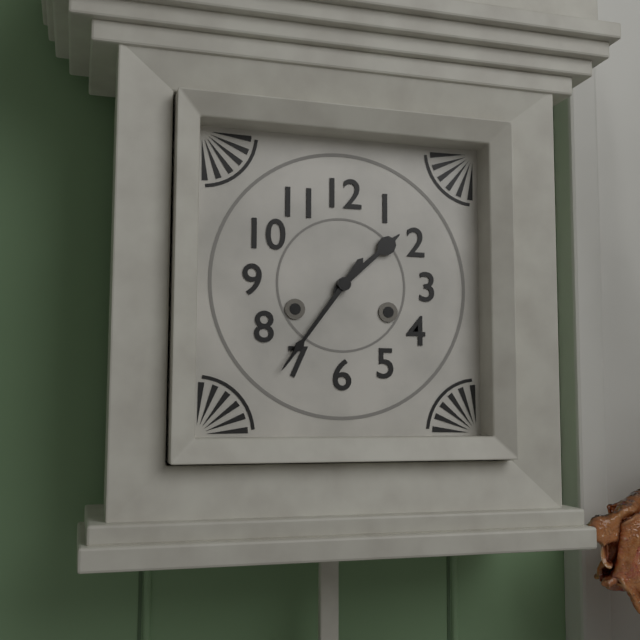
{"hour": 1, "minute": 36}
